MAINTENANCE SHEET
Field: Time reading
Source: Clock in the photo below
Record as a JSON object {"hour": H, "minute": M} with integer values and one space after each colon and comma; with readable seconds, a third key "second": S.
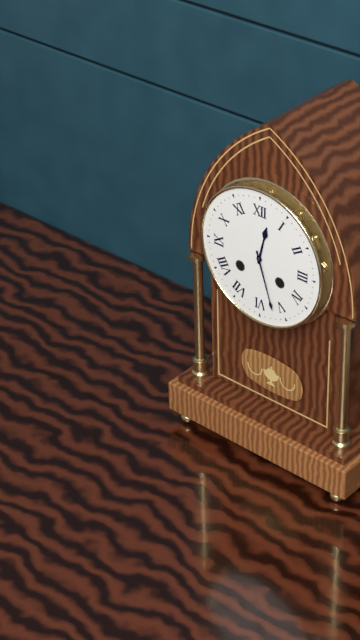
{"hour": 12, "minute": 27}
